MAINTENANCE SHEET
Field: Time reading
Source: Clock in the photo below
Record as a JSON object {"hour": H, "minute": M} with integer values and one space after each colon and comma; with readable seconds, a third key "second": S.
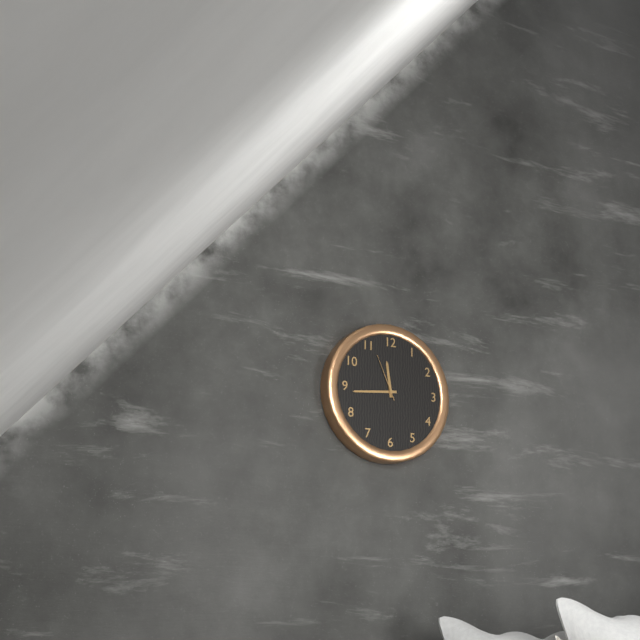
{"hour": 11, "minute": 44}
